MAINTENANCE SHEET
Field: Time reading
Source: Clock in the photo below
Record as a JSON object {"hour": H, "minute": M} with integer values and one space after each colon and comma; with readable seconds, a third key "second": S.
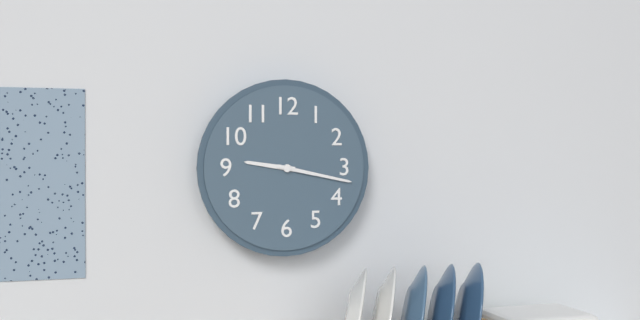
{"hour": 9, "minute": 17}
